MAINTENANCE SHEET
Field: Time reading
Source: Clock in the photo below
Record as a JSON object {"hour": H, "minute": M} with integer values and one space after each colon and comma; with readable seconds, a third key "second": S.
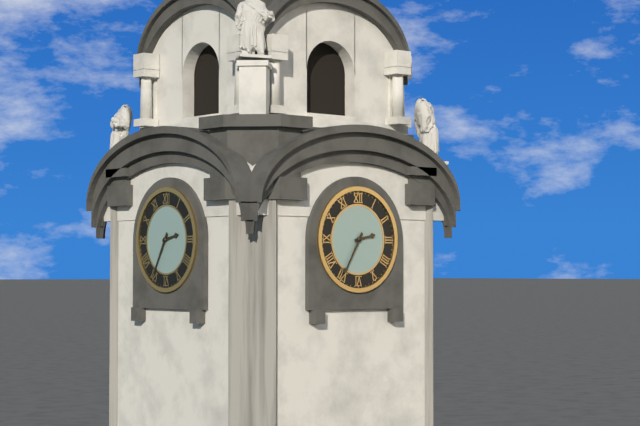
{"hour": 2, "minute": 35}
